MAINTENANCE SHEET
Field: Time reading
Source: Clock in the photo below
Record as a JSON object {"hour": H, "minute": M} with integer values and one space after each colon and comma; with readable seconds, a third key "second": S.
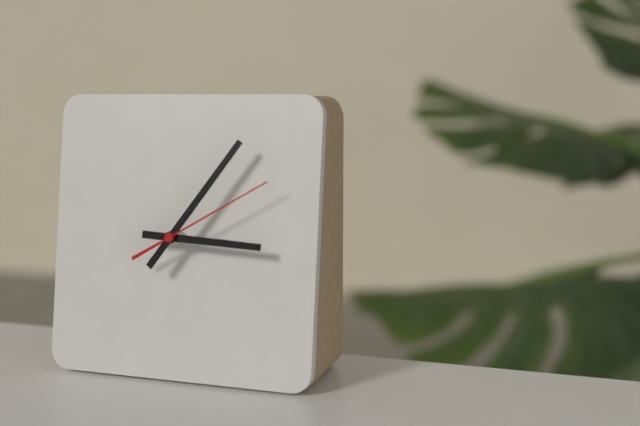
{"hour": 3, "minute": 6, "second": 10}
